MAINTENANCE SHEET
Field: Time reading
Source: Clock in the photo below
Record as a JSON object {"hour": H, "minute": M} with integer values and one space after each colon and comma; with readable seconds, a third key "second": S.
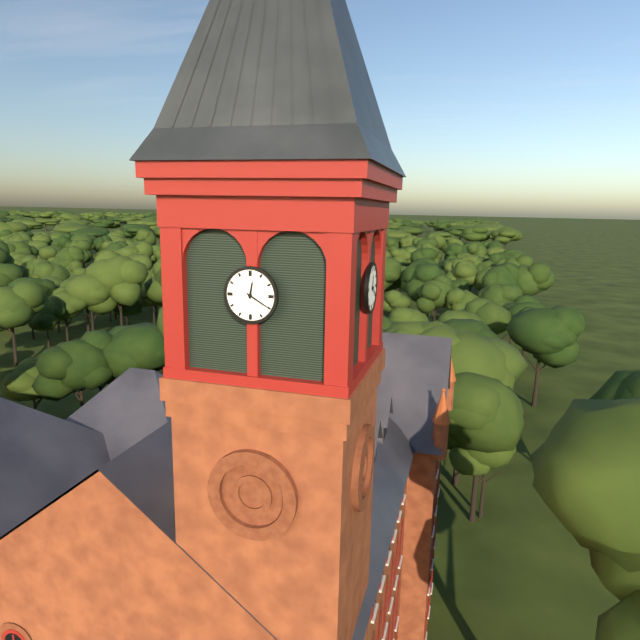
{"hour": 12, "minute": 20}
